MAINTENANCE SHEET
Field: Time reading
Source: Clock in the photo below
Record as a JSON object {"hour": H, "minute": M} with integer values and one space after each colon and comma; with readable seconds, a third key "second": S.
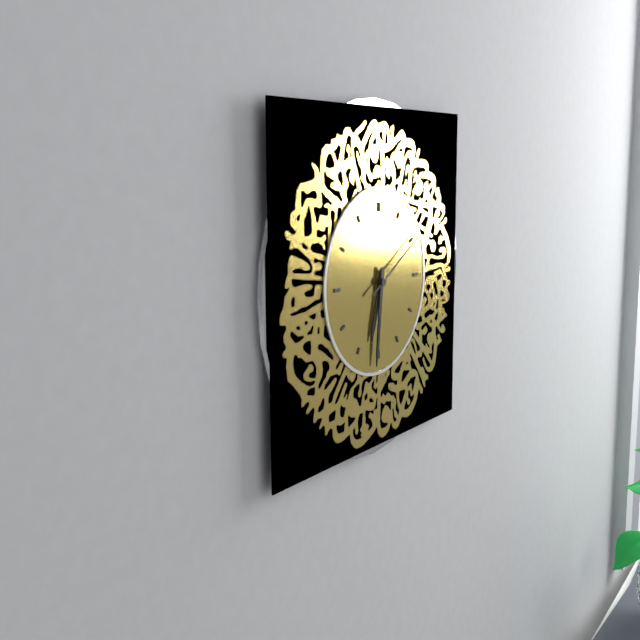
{"hour": 6, "minute": 31, "second": 10}
